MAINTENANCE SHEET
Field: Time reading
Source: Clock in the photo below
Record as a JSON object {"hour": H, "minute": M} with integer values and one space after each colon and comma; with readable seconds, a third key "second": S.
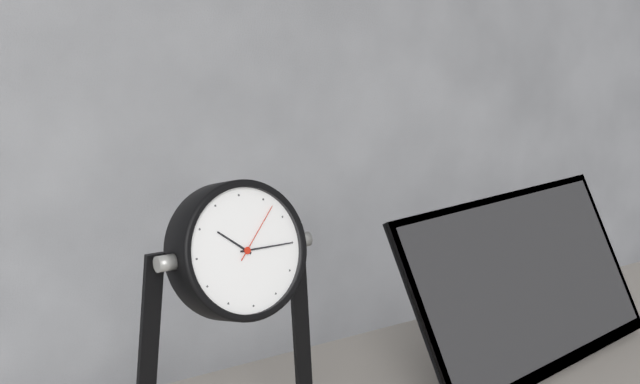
{"hour": 10, "minute": 15, "second": 7}
